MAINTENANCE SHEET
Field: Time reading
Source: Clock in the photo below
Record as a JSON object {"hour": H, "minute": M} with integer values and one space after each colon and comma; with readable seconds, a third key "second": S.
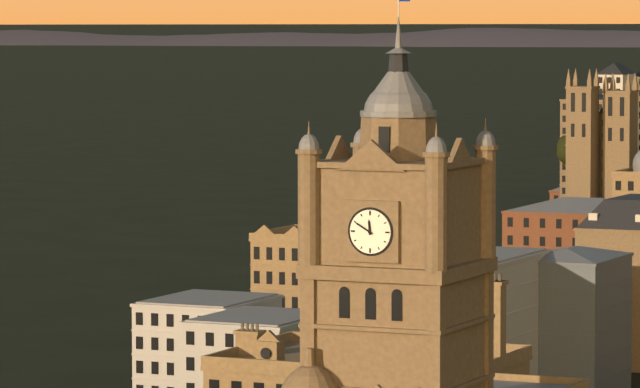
{"hour": 11, "minute": 50}
